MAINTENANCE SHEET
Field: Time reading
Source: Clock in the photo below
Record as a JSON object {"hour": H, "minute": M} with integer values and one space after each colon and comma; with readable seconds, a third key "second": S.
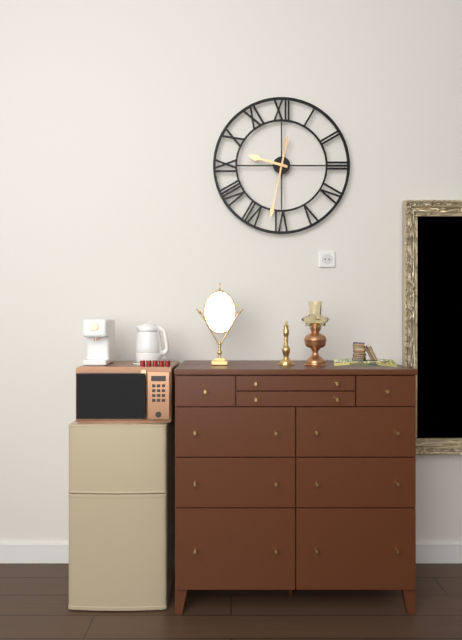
{"hour": 9, "minute": 32}
